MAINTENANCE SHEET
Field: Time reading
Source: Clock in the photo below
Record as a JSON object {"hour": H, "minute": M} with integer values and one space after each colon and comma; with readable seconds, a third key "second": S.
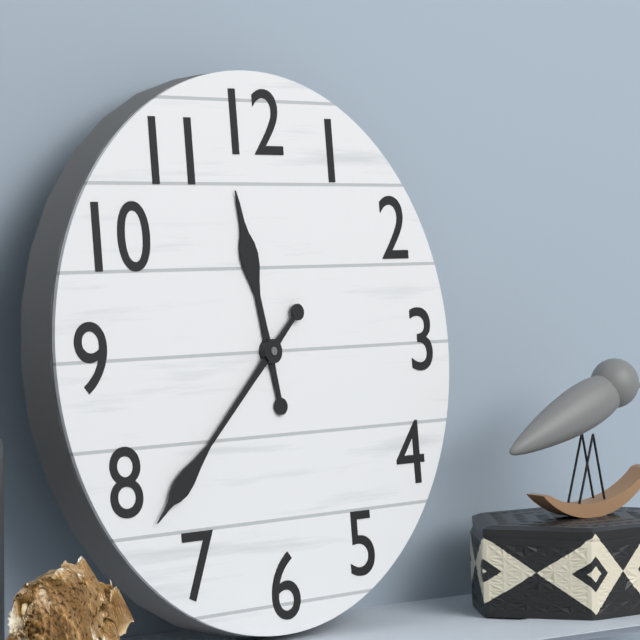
{"hour": 11, "minute": 38}
